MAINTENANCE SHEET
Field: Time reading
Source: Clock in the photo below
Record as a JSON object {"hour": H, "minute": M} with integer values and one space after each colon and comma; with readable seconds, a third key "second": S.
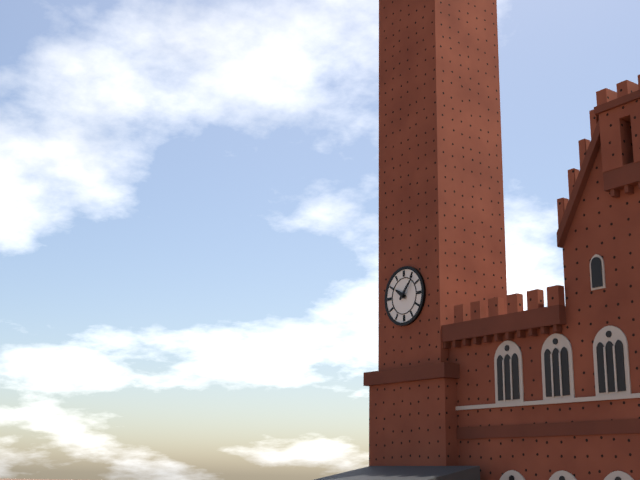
{"hour": 10, "minute": 7}
